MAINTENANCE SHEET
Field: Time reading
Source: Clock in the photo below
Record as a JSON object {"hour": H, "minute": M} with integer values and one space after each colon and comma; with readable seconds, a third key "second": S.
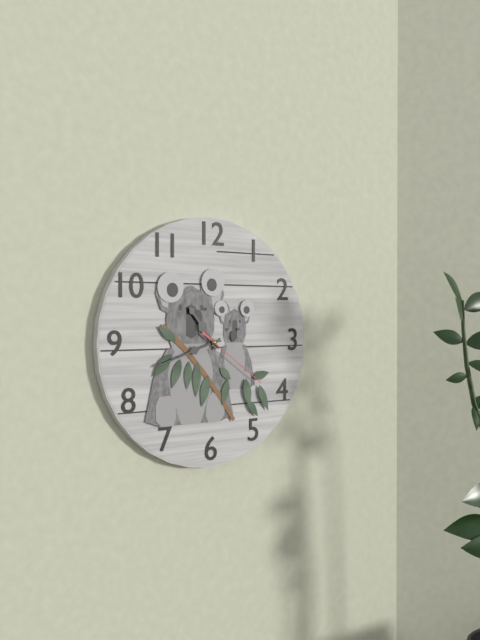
{"hour": 10, "minute": 42, "second": 21}
